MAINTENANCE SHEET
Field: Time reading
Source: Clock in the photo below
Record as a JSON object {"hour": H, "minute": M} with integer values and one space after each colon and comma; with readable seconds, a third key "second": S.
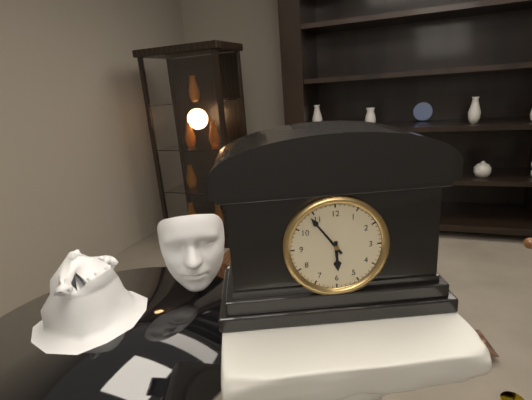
{"hour": 5, "minute": 54}
